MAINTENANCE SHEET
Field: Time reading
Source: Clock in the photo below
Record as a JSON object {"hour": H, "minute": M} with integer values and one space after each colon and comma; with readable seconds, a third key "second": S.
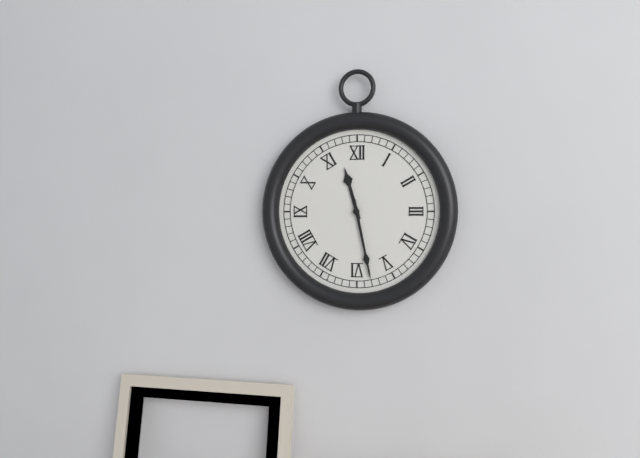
{"hour": 11, "minute": 28}
